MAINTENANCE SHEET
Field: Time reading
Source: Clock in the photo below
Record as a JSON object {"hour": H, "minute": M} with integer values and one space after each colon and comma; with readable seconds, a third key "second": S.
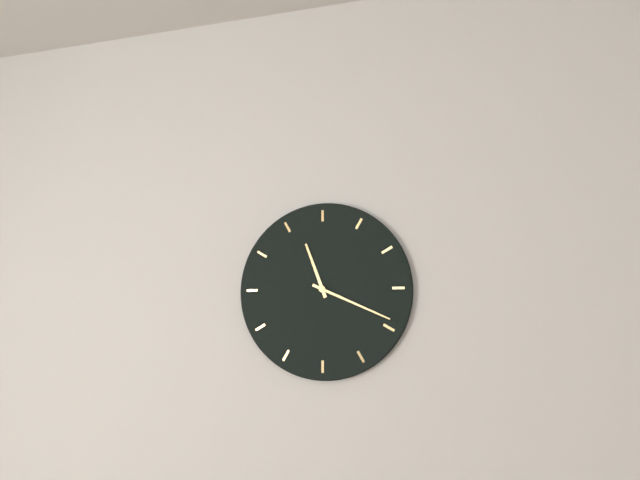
{"hour": 11, "minute": 19}
